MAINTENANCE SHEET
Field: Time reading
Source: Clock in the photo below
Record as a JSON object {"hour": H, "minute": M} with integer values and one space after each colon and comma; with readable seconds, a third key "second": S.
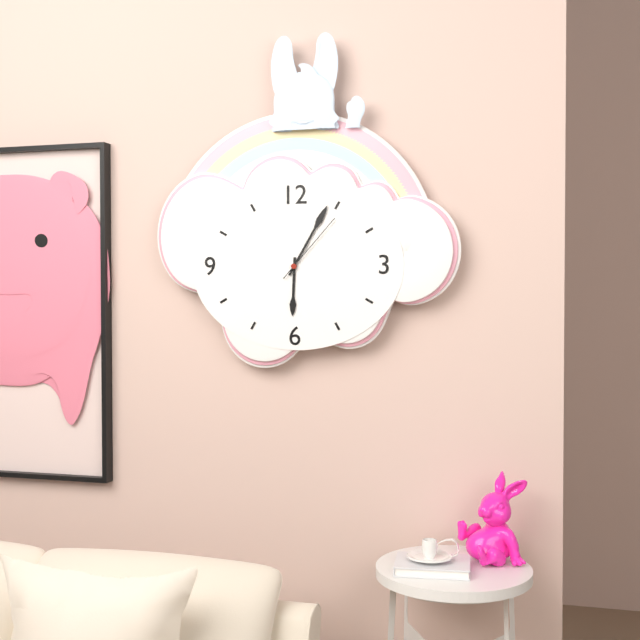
{"hour": 6, "minute": 5, "second": 7}
